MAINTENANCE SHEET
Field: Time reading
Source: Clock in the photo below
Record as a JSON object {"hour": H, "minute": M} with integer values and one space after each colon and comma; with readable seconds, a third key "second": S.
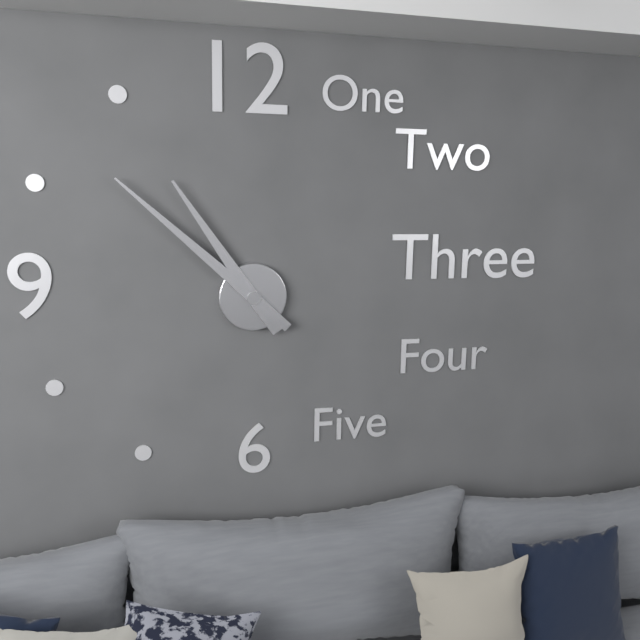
{"hour": 10, "minute": 52}
